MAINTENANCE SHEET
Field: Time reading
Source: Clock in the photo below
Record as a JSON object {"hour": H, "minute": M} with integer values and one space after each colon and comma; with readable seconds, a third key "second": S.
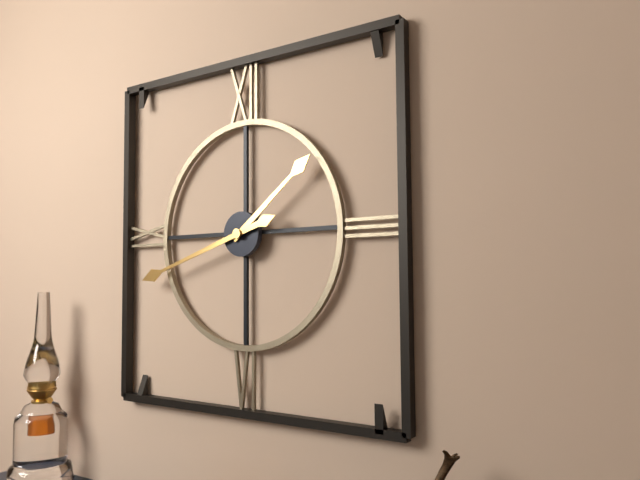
{"hour": 1, "minute": 42}
